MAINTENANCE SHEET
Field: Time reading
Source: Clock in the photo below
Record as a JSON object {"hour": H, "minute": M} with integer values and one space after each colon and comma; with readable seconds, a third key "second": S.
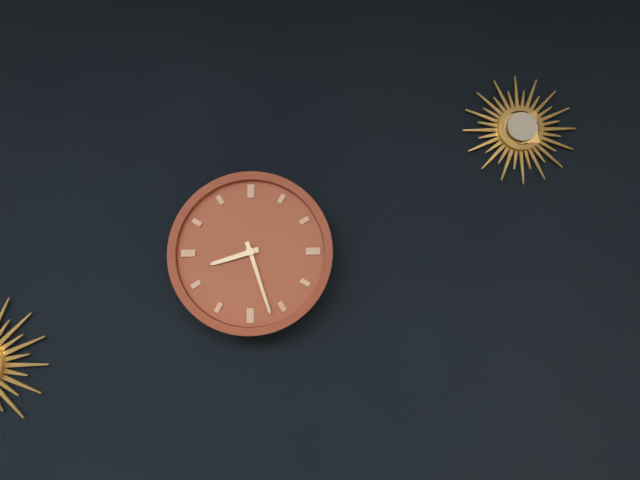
{"hour": 8, "minute": 27}
